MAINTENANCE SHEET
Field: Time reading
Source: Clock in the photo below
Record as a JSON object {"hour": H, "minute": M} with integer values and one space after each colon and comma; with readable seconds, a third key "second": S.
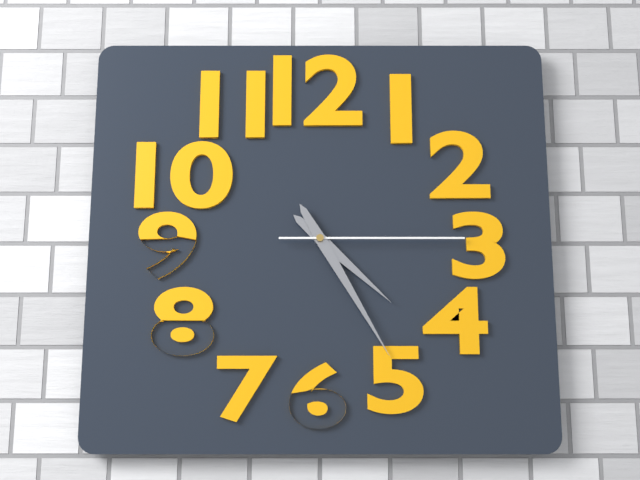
{"hour": 4, "minute": 25, "second": 15}
